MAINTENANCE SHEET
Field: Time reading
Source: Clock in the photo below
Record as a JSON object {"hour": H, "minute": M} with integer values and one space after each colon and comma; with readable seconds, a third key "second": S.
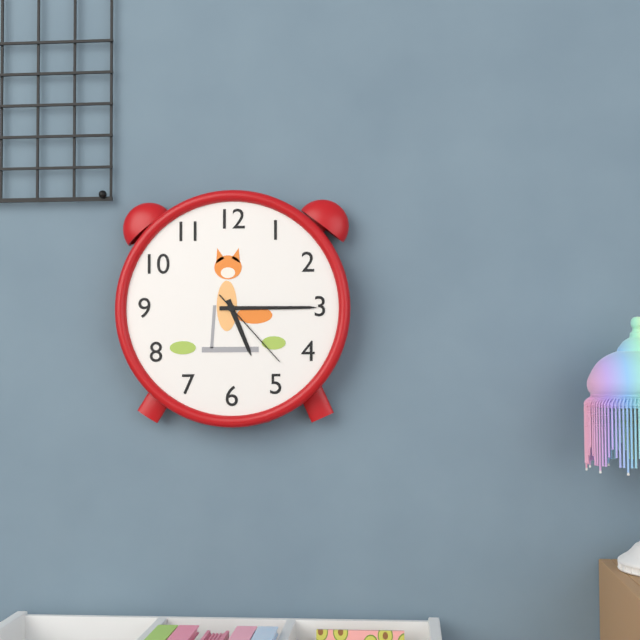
{"hour": 5, "minute": 15, "second": 23}
